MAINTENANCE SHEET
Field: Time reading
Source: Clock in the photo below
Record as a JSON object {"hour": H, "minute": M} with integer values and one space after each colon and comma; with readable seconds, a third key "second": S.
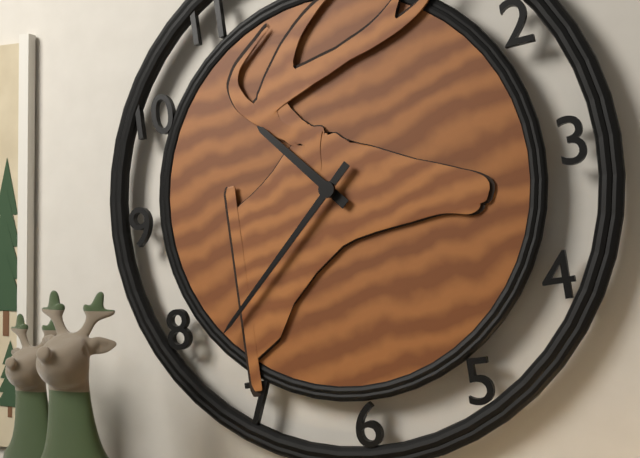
{"hour": 10, "minute": 38}
